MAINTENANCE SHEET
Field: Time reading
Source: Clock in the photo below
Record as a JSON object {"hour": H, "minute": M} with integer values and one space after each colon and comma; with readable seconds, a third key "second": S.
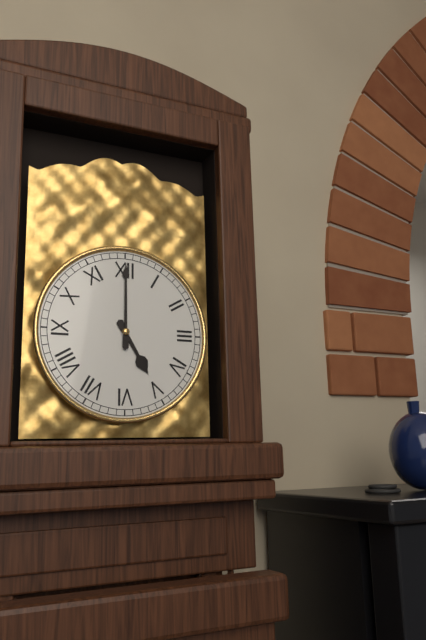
{"hour": 5, "minute": 0}
